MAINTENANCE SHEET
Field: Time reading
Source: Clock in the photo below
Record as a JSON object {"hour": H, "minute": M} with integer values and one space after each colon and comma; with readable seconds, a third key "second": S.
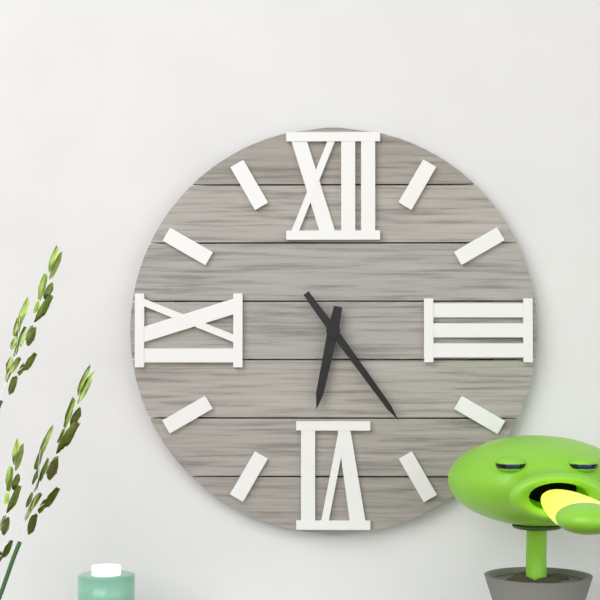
{"hour": 6, "minute": 24}
